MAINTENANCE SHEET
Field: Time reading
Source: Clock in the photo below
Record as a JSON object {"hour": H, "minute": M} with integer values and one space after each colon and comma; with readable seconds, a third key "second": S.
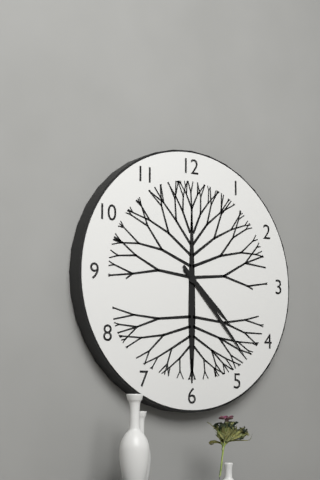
{"hour": 4, "minute": 23}
